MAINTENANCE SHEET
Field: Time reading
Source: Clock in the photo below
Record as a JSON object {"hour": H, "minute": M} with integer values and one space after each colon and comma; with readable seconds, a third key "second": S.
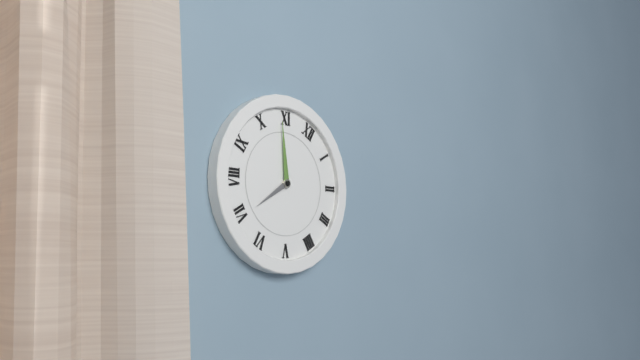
{"hour": 6, "minute": 54}
